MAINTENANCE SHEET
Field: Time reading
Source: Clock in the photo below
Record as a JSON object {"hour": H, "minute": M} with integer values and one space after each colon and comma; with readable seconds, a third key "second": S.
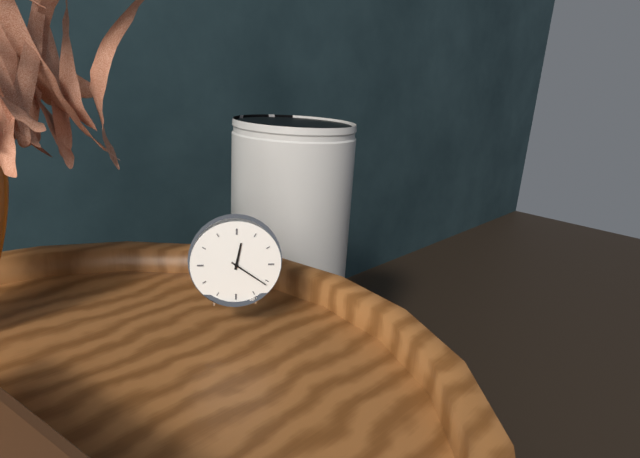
{"hour": 12, "minute": 21}
